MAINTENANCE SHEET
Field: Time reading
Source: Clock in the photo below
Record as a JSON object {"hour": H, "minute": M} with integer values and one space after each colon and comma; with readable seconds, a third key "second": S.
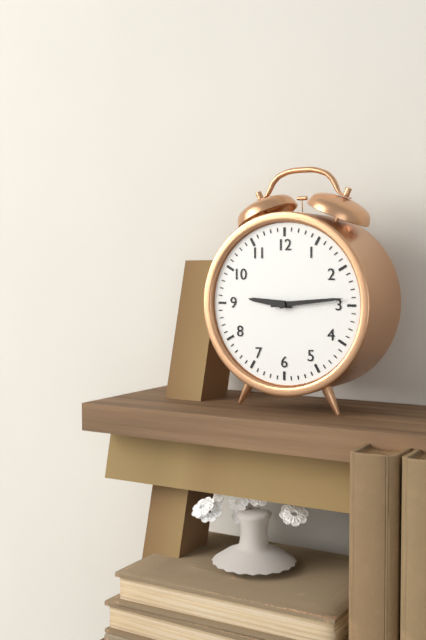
{"hour": 9, "minute": 14}
